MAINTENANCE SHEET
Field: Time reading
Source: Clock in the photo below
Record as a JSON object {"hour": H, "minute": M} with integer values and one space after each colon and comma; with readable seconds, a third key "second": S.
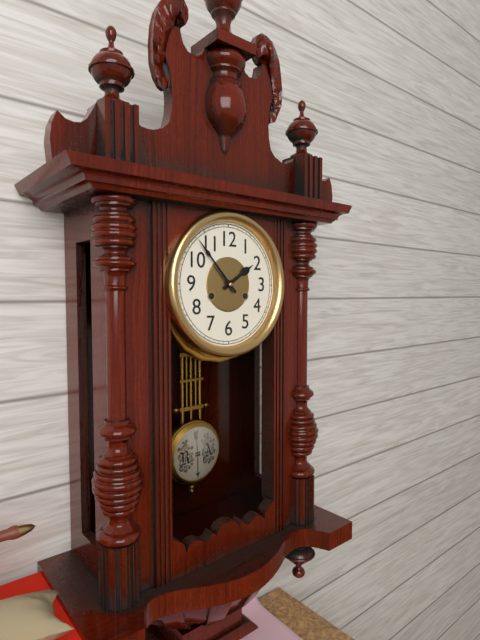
{"hour": 1, "minute": 53}
